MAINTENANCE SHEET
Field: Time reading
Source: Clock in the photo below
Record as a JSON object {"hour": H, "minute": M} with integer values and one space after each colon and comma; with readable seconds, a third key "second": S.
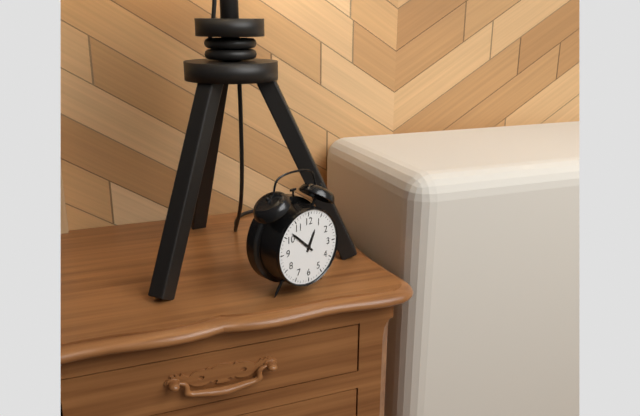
{"hour": 12, "minute": 52}
